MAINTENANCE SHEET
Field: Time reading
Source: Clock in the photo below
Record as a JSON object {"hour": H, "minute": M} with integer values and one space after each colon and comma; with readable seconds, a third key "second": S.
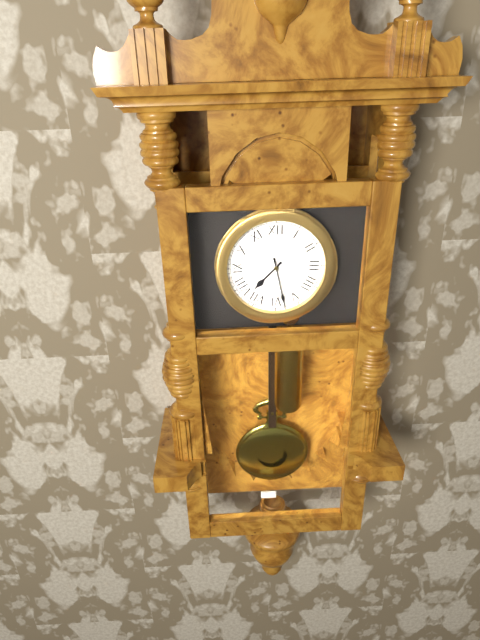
{"hour": 7, "minute": 28}
